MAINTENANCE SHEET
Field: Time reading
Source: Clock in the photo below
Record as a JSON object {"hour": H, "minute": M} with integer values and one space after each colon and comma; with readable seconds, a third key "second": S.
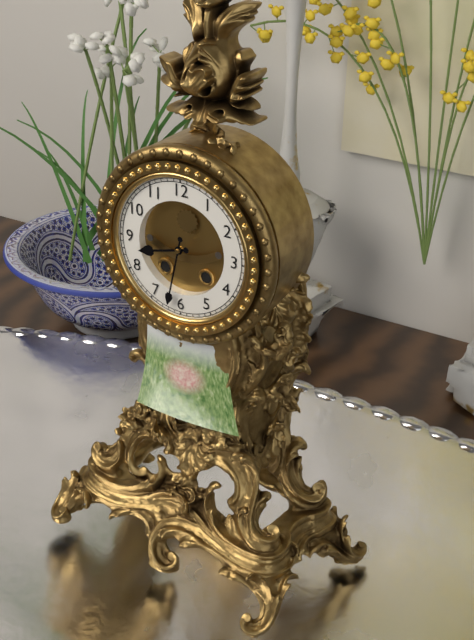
{"hour": 8, "minute": 32}
